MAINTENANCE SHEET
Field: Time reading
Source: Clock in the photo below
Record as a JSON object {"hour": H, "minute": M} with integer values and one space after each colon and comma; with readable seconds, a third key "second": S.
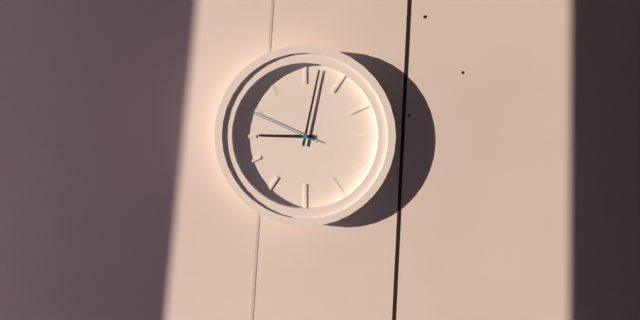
{"hour": 9, "minute": 2, "second": 49}
